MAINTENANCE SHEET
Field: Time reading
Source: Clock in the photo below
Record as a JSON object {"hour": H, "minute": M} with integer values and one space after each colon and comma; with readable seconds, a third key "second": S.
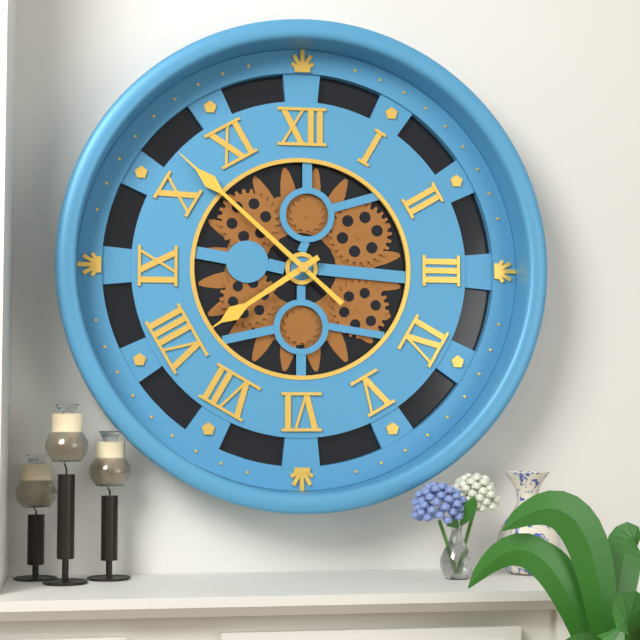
{"hour": 7, "minute": 52}
